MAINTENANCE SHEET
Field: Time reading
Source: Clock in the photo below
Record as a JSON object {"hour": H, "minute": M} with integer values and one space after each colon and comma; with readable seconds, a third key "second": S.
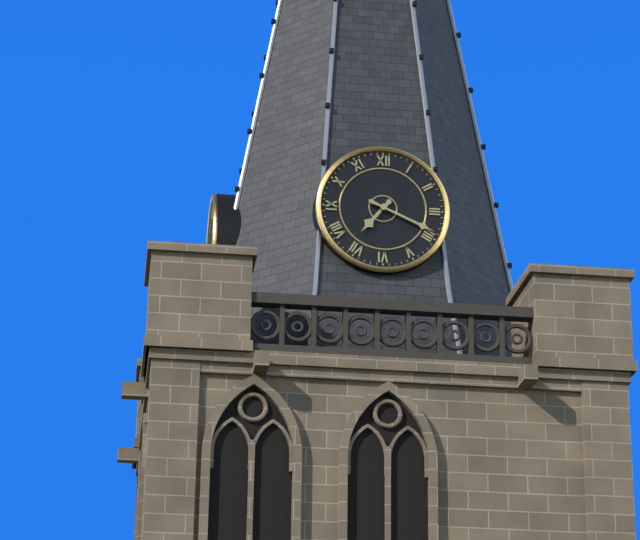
{"hour": 7, "minute": 19}
